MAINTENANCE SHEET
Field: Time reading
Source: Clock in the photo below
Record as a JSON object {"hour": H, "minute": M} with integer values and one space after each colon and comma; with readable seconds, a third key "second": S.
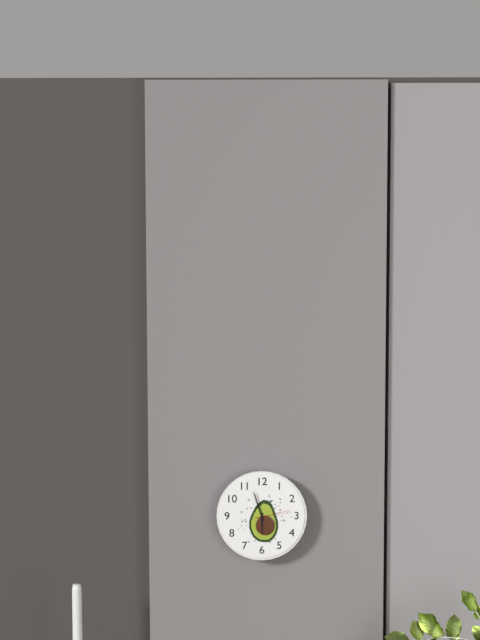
{"hour": 5, "minute": 57}
